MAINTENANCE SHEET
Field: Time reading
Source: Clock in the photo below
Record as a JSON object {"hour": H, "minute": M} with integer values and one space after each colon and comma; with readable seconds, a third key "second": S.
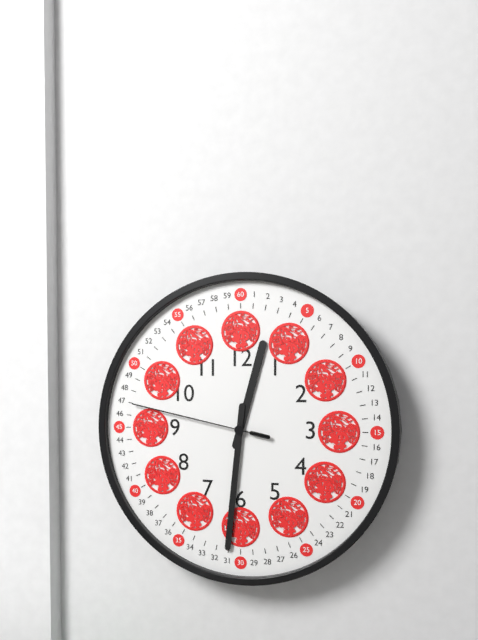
{"hour": 12, "minute": 31, "second": 47}
